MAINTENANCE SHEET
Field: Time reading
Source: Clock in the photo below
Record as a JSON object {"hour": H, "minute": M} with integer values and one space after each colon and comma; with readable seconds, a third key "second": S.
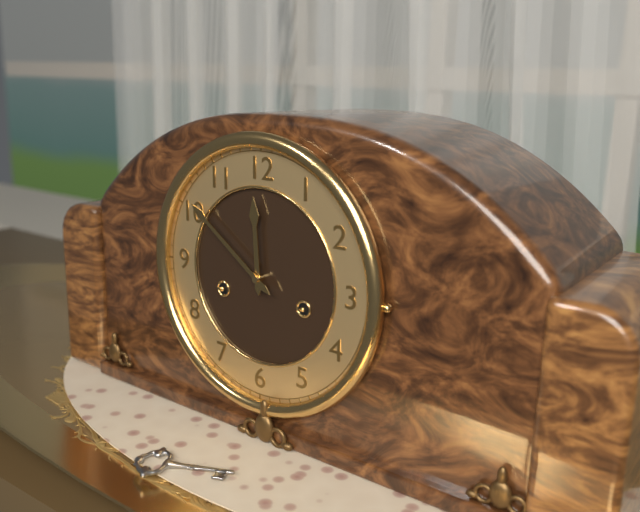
{"hour": 11, "minute": 51}
